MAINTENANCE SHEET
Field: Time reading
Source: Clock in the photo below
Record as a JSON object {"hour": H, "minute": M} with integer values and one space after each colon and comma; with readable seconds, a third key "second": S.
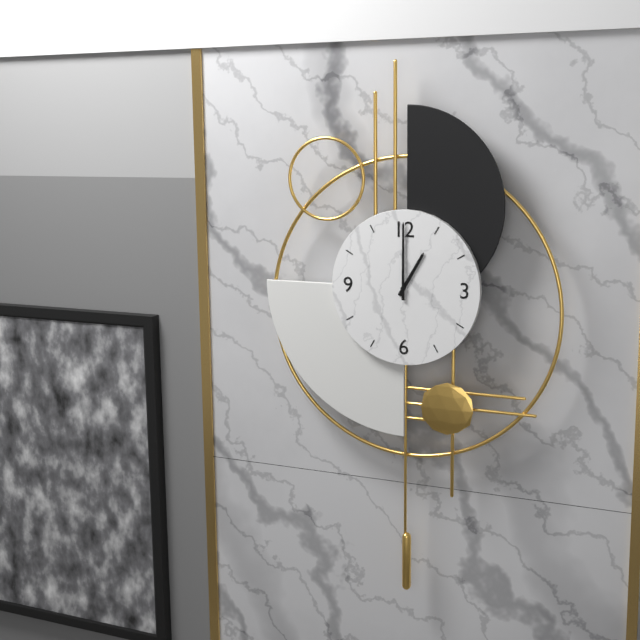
{"hour": 1, "minute": 0}
